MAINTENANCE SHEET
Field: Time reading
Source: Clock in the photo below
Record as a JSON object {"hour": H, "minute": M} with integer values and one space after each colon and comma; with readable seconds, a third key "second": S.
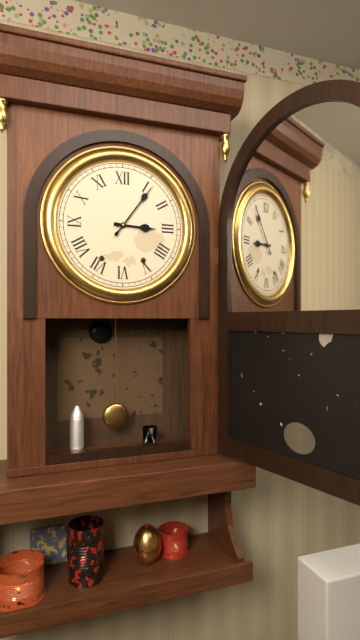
{"hour": 3, "minute": 6}
